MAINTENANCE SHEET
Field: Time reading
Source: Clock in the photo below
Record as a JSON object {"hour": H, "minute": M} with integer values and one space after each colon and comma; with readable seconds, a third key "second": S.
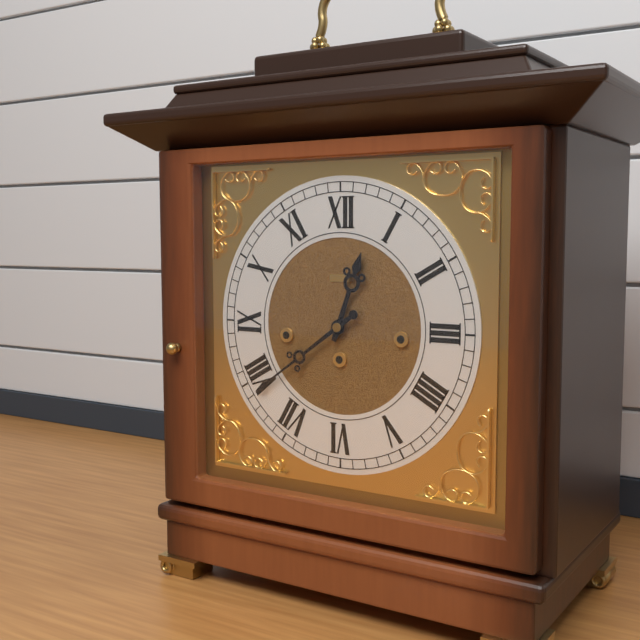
{"hour": 12, "minute": 39}
